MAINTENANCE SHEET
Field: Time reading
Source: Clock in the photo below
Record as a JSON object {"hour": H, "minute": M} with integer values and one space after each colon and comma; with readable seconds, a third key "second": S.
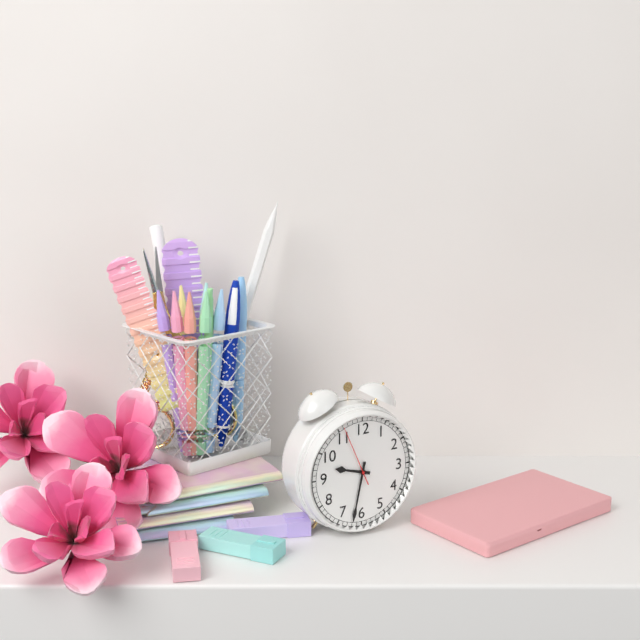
{"hour": 9, "minute": 32, "second": 56}
